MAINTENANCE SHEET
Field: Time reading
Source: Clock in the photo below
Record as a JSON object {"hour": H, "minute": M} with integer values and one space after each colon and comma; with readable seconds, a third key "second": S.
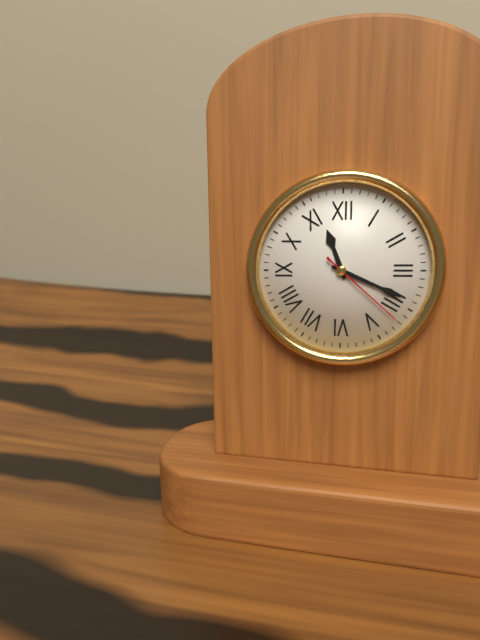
{"hour": 11, "minute": 19, "second": 22}
